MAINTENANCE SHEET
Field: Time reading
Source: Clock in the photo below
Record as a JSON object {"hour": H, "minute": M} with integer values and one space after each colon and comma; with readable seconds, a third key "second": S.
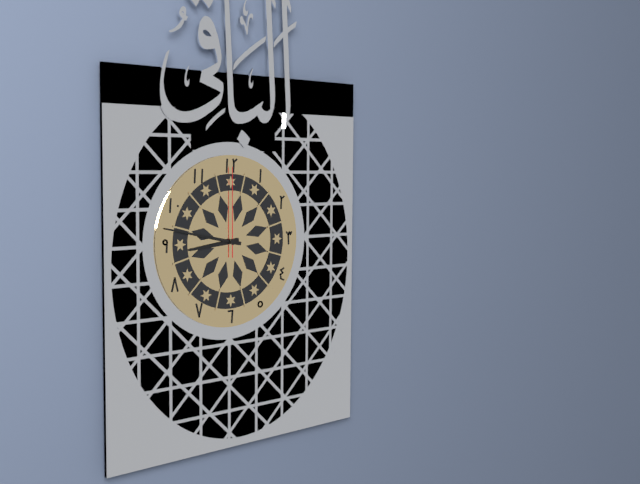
{"hour": 8, "minute": 47, "second": 0}
